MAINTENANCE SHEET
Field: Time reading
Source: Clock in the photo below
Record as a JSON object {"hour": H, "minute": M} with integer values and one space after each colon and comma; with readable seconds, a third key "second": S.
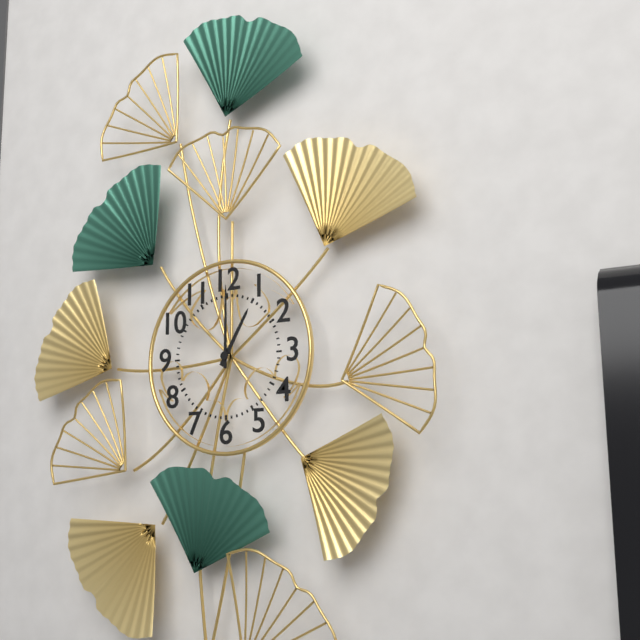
{"hour": 1, "minute": 0}
